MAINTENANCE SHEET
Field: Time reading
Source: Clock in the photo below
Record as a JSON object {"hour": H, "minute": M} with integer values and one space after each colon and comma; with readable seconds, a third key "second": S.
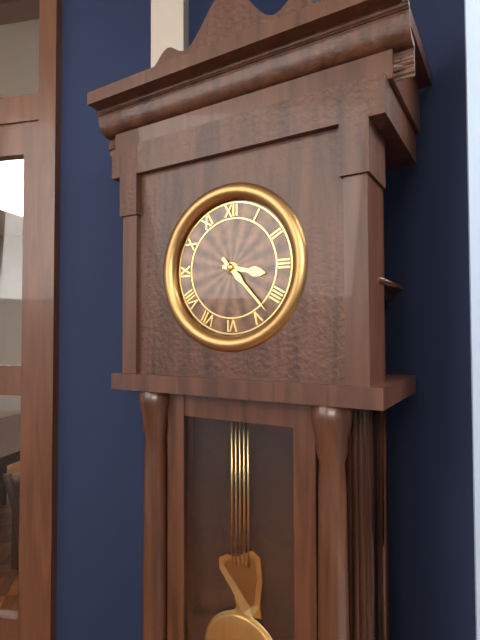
{"hour": 3, "minute": 23}
